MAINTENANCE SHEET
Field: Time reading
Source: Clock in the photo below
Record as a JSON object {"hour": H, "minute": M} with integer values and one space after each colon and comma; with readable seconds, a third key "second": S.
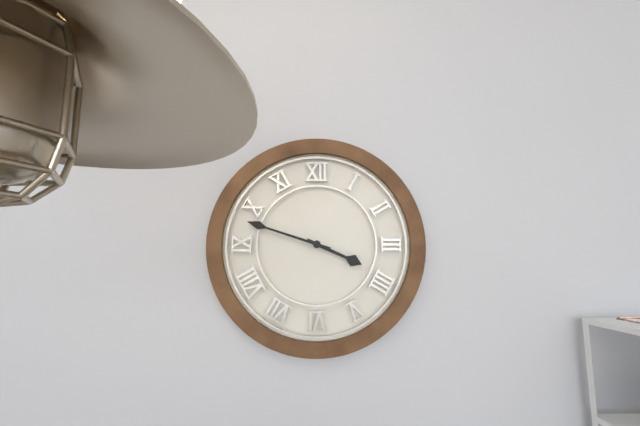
{"hour": 3, "minute": 48}
